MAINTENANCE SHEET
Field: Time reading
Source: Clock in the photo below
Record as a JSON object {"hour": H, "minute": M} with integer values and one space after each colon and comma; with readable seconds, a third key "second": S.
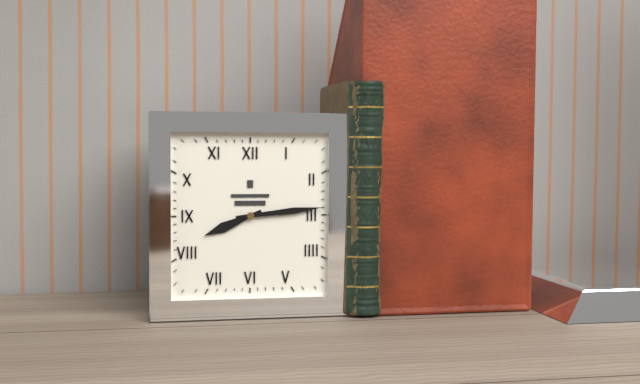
{"hour": 8, "minute": 14}
